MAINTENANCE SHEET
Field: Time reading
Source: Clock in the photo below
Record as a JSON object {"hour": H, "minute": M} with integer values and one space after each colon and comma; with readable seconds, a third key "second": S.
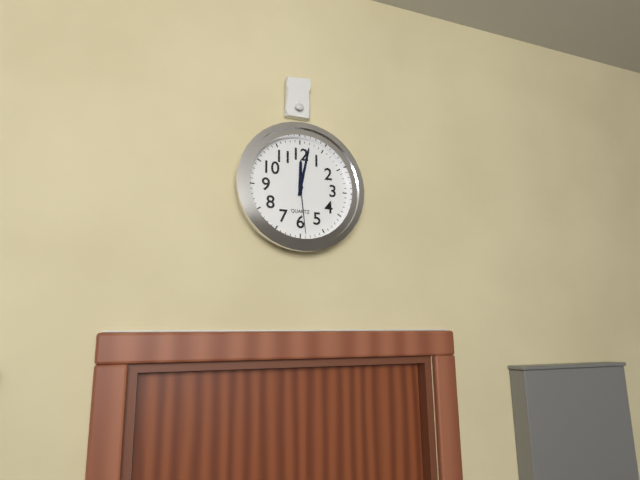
{"hour": 12, "minute": 2, "second": 29}
